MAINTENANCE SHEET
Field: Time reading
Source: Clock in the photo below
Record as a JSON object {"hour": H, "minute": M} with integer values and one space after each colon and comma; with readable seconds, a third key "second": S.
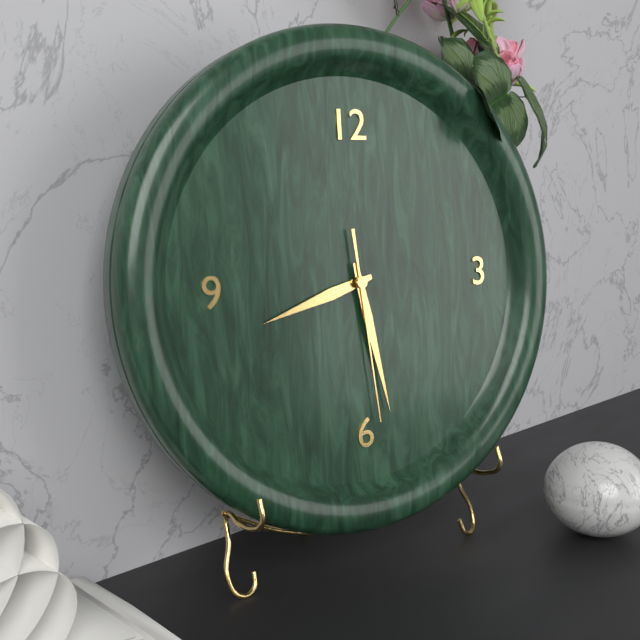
{"hour": 8, "minute": 28, "second": 29}
